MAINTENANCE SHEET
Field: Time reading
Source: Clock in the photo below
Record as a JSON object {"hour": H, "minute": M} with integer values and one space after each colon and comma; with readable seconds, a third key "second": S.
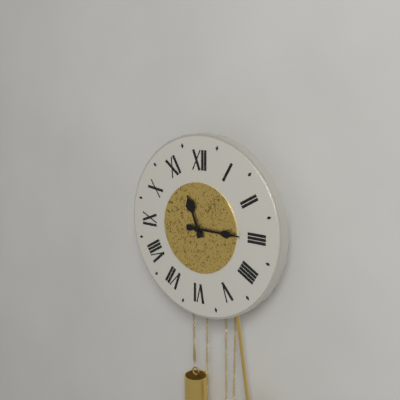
{"hour": 11, "minute": 15}
